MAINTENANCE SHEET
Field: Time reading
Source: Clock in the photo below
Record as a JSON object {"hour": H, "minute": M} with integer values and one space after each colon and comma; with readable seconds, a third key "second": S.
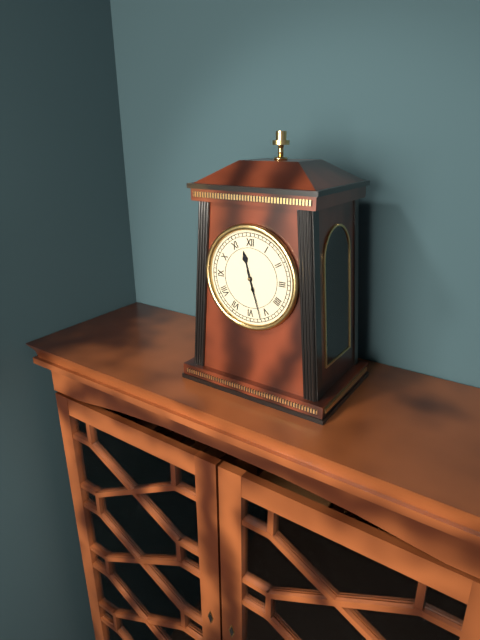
{"hour": 11, "minute": 27}
